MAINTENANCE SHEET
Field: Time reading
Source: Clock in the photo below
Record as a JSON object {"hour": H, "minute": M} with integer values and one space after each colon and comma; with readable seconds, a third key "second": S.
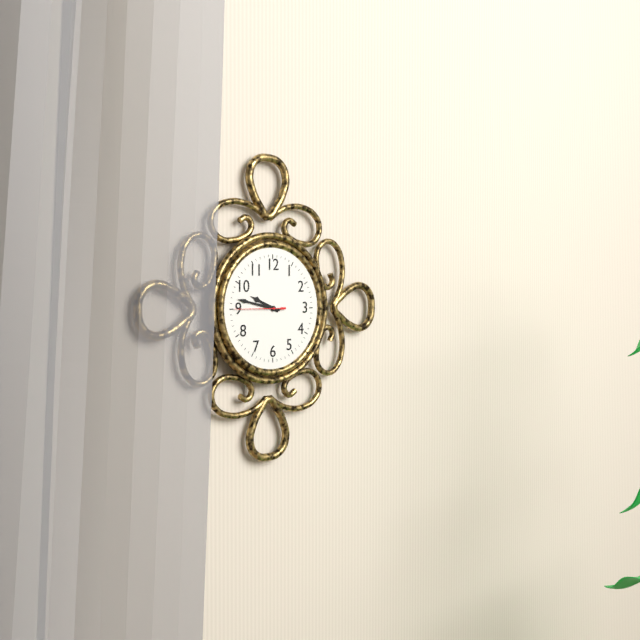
{"hour": 9, "minute": 47}
